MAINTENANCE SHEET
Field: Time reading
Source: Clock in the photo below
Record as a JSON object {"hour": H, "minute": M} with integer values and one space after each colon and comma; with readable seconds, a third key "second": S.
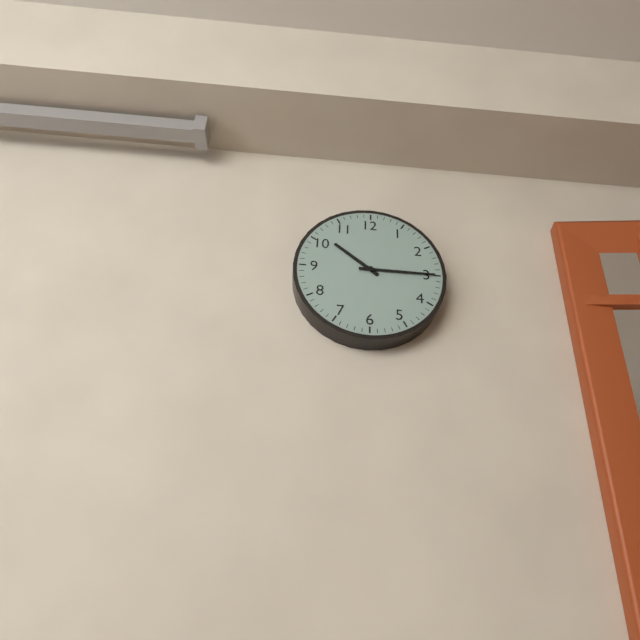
{"hour": 10, "minute": 15}
